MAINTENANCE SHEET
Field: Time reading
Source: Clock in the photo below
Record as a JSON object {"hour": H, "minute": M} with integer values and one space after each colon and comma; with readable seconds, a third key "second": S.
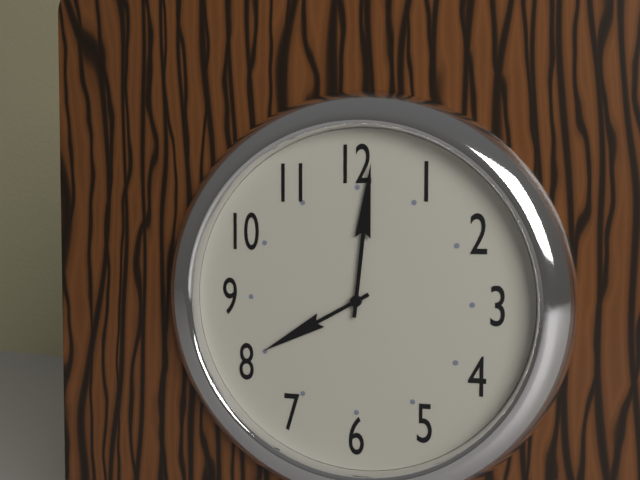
{"hour": 8, "minute": 1}
